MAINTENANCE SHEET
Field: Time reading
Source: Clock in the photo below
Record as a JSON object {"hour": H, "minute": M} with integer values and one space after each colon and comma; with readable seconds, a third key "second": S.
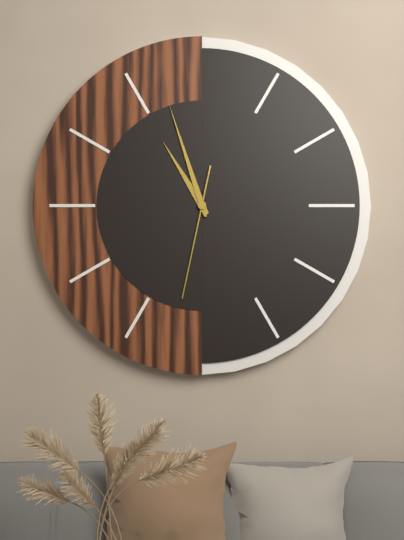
{"hour": 10, "minute": 57, "second": 32}
